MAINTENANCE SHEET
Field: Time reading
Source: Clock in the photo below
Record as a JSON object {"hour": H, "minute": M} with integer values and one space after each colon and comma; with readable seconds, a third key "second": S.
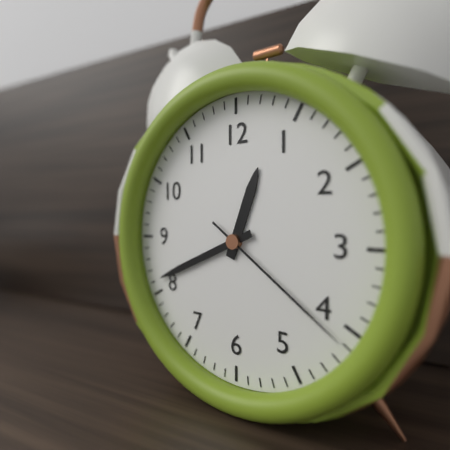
{"hour": 12, "minute": 41, "second": 21}
